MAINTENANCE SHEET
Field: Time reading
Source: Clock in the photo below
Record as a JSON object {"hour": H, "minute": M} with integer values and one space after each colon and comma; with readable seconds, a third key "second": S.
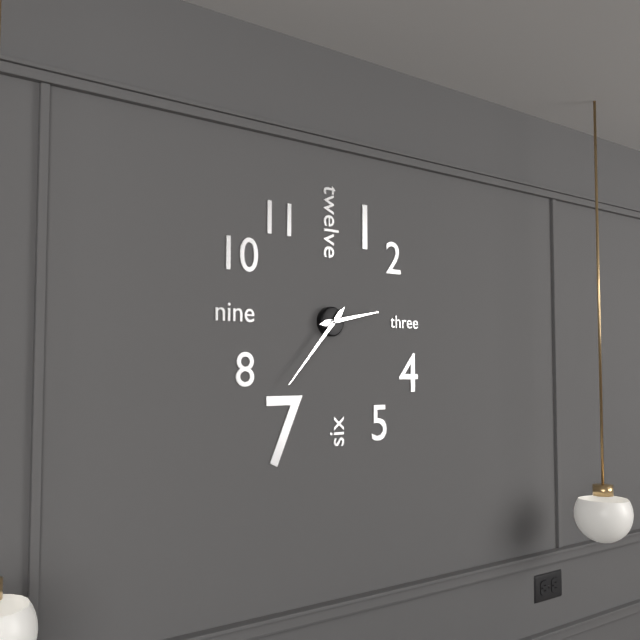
{"hour": 2, "minute": 37}
